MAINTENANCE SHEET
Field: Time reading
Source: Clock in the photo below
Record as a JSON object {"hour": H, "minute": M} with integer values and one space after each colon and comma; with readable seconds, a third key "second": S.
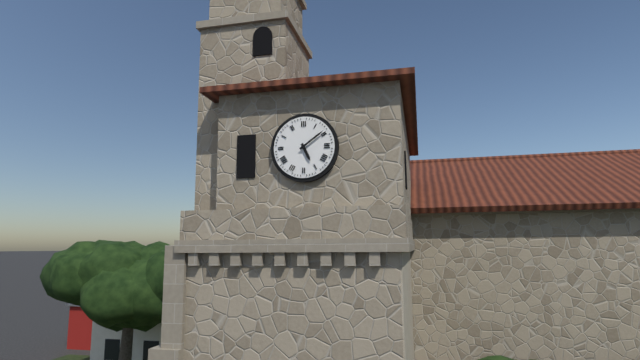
{"hour": 5, "minute": 9}
